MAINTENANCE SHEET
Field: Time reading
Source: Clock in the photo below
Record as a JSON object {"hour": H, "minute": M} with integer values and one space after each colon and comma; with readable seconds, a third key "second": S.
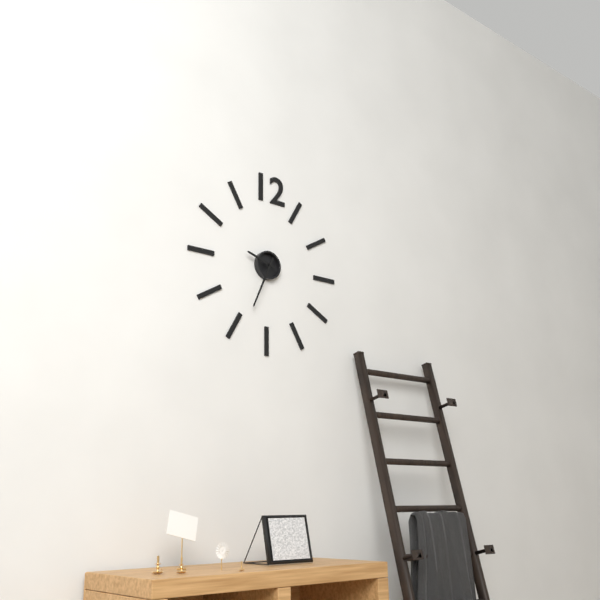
{"hour": 9, "minute": 34}
